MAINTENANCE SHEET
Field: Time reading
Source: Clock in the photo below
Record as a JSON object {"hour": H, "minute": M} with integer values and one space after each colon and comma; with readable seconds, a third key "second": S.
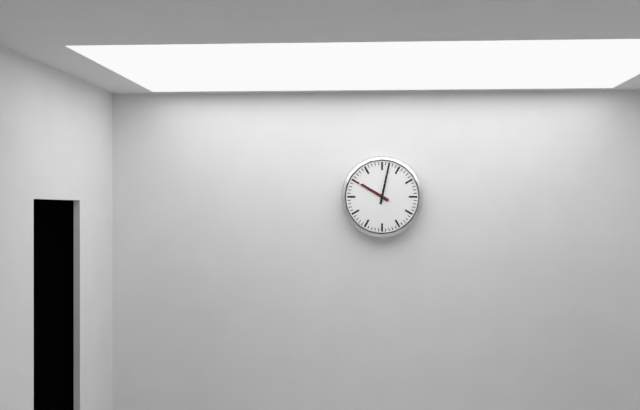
{"hour": 10, "minute": 2}
